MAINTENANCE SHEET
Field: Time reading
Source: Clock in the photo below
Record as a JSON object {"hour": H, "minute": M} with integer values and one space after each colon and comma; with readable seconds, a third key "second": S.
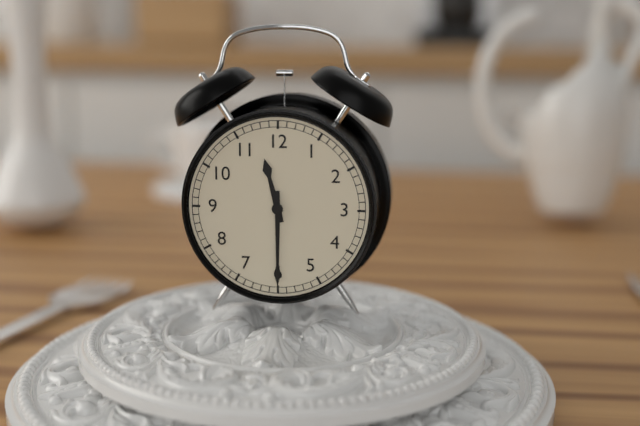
{"hour": 11, "minute": 30}
